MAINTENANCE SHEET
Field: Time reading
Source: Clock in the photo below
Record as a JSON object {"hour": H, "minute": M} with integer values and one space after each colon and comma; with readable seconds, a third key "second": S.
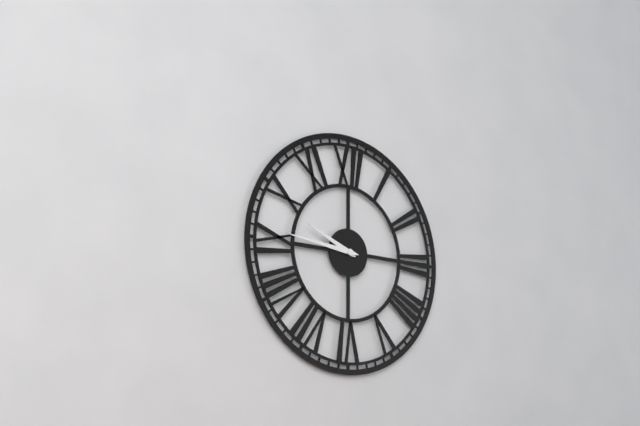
{"hour": 9, "minute": 46}
